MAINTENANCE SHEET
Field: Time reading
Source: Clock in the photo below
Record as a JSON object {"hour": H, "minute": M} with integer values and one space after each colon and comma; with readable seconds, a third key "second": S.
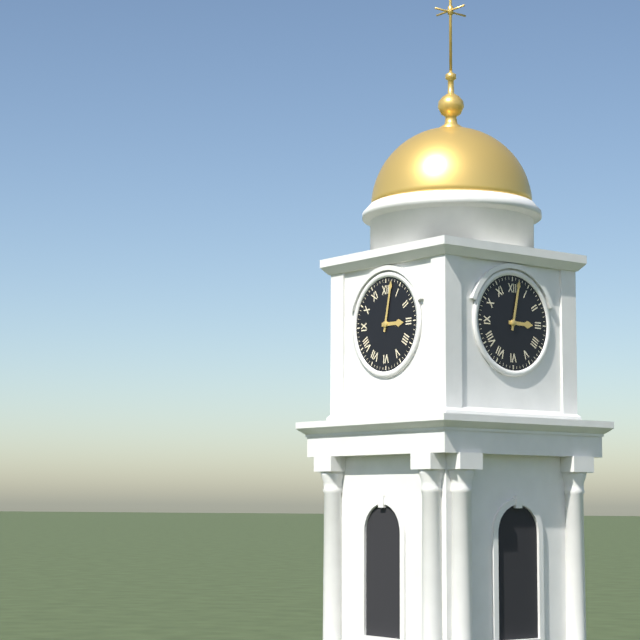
{"hour": 3, "minute": 2}
